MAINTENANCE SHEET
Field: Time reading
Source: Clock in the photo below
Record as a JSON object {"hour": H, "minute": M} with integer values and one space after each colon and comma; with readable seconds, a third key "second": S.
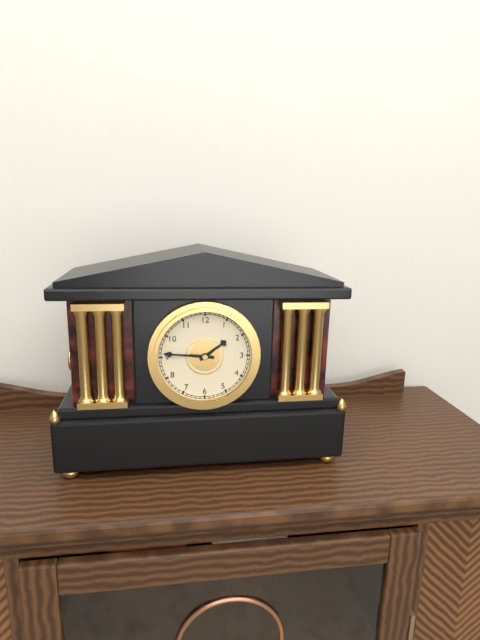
{"hour": 1, "minute": 46}
